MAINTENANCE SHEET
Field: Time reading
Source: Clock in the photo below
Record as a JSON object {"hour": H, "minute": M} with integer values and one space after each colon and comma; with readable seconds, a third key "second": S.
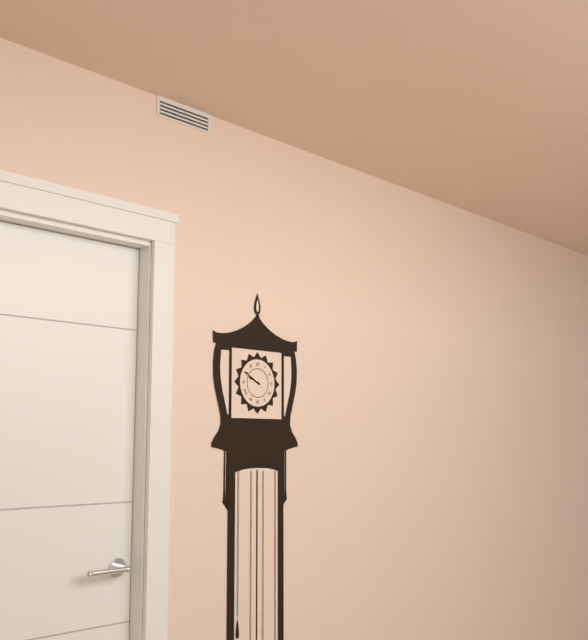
{"hour": 9, "minute": 50}
